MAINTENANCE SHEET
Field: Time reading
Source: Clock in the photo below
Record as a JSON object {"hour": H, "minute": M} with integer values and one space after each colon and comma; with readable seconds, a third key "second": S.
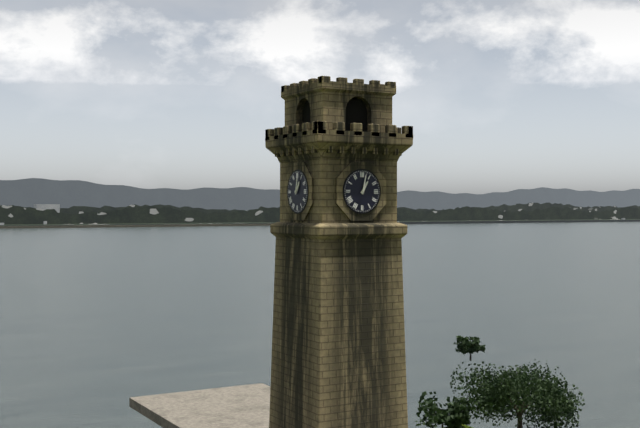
{"hour": 1, "minute": 2}
